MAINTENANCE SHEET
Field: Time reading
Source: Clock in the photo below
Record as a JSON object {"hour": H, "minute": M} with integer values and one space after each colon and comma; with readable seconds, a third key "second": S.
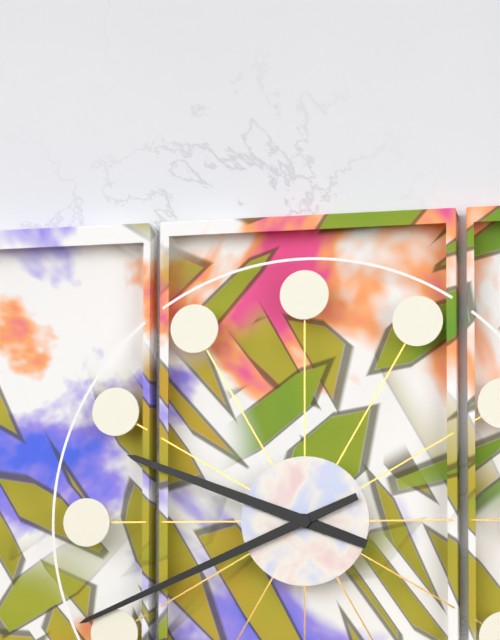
{"hour": 9, "minute": 41}
